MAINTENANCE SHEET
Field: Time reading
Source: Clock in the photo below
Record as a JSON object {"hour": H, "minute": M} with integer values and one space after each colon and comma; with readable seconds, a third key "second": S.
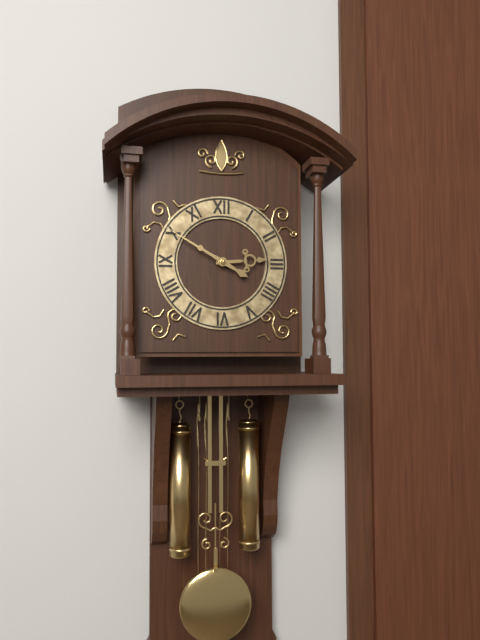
{"hour": 2, "minute": 50}
